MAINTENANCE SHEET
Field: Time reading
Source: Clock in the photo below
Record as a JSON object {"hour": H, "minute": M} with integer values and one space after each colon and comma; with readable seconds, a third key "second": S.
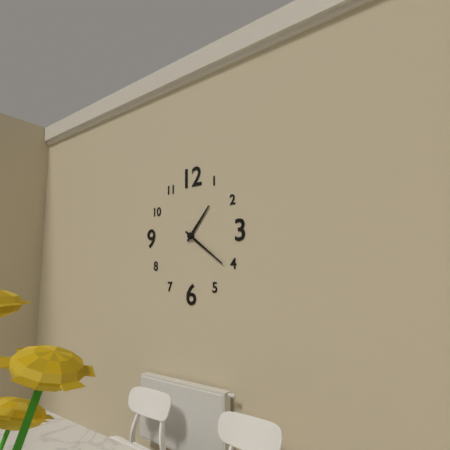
{"hour": 1, "minute": 21}
